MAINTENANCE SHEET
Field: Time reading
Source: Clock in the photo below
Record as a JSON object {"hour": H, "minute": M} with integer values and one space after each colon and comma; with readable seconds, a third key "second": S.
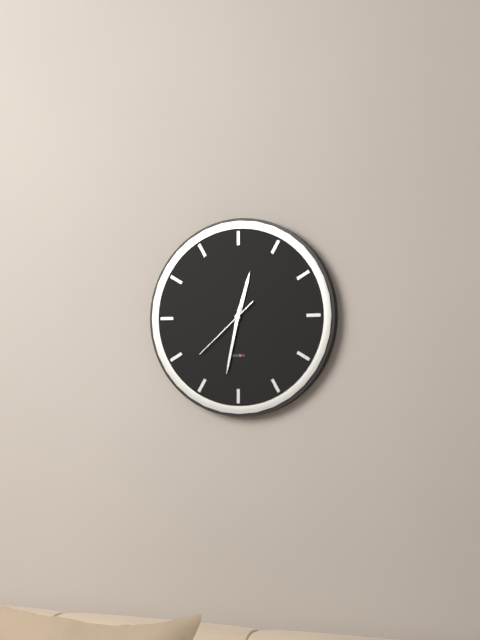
{"hour": 12, "minute": 32, "second": 38}
